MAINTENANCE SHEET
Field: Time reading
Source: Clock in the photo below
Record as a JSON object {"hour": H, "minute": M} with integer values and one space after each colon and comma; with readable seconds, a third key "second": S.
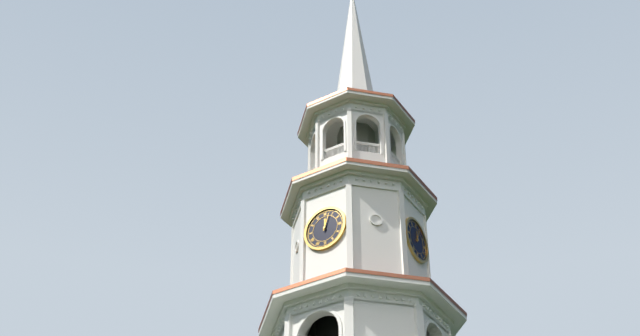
{"hour": 12, "minute": 3}
